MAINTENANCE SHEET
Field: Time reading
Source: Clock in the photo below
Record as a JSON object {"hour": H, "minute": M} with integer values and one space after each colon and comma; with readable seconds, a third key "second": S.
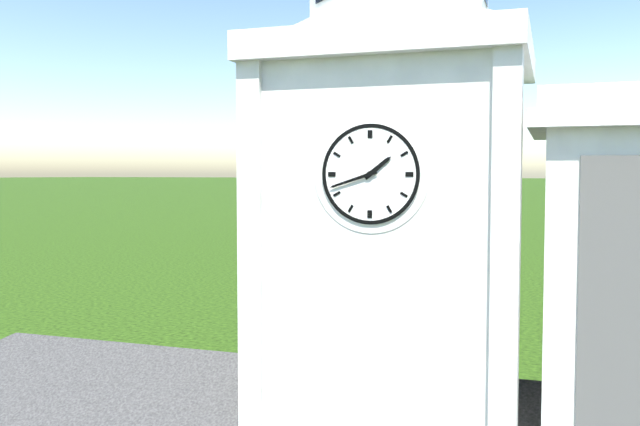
{"hour": 1, "minute": 42}
